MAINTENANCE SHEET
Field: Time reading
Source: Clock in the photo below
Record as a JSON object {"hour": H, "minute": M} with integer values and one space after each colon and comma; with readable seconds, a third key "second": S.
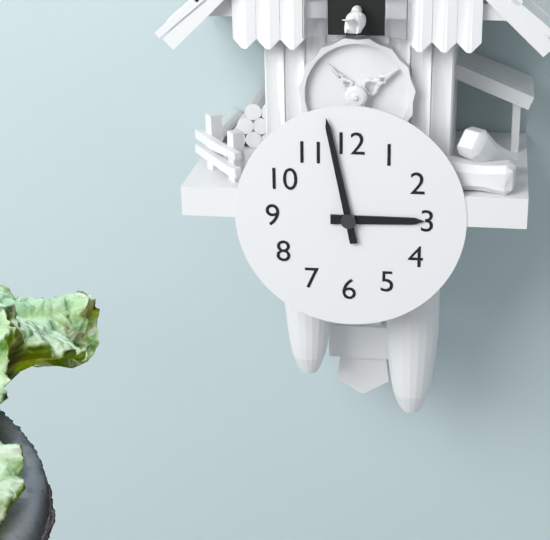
{"hour": 2, "minute": 58}
